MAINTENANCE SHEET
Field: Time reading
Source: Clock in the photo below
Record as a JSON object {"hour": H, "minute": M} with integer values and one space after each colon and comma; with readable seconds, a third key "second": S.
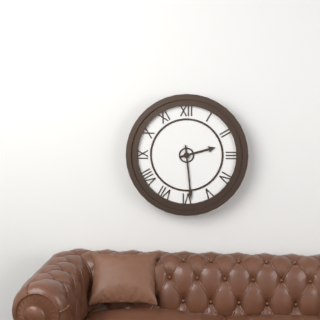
{"hour": 2, "minute": 29}
